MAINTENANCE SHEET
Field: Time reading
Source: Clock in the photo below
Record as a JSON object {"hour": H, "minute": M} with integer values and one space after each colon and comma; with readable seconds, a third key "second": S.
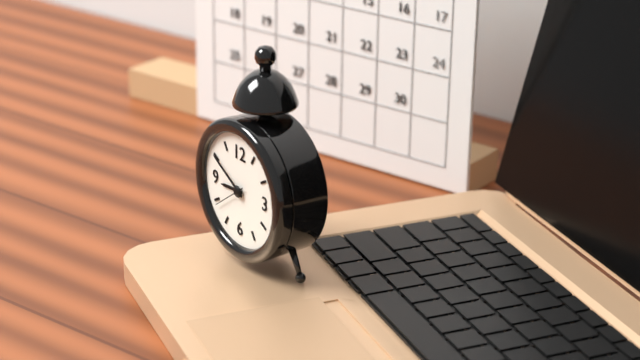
{"hour": 8, "minute": 50, "second": 39}
